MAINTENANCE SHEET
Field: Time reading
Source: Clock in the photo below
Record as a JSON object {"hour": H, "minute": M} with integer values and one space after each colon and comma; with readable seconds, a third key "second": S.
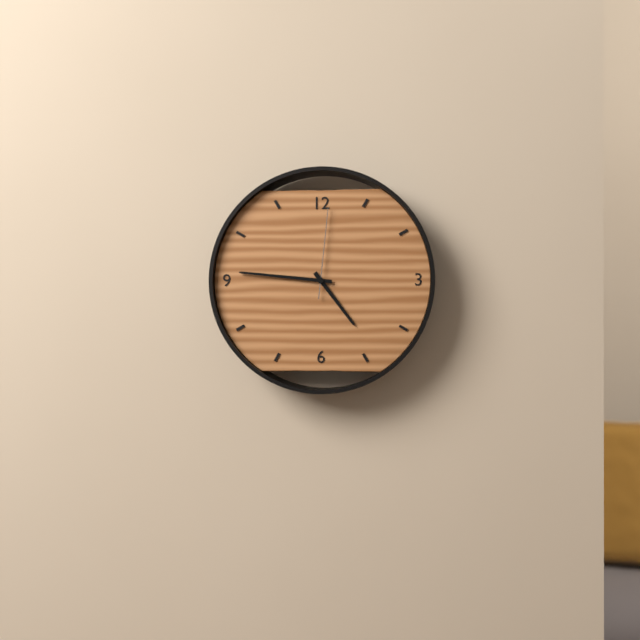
{"hour": 4, "minute": 46, "second": 1}
